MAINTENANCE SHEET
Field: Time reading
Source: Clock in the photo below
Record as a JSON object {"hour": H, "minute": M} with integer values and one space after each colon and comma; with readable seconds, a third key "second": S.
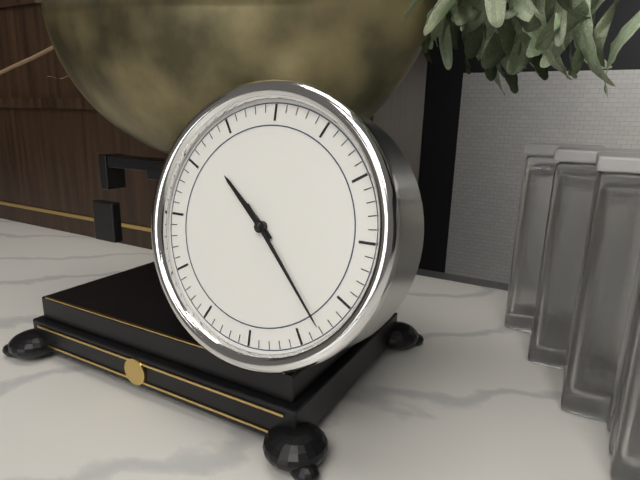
{"hour": 10, "minute": 23}
